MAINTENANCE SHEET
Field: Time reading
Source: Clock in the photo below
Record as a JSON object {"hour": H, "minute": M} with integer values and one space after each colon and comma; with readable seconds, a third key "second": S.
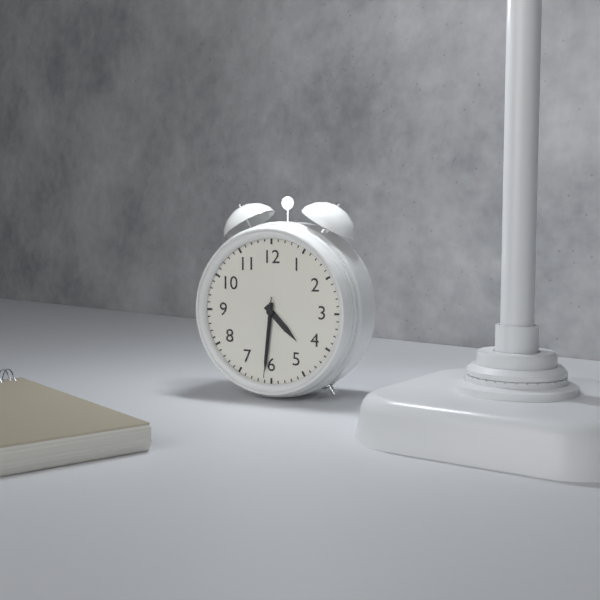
{"hour": 4, "minute": 31, "second": 31}
